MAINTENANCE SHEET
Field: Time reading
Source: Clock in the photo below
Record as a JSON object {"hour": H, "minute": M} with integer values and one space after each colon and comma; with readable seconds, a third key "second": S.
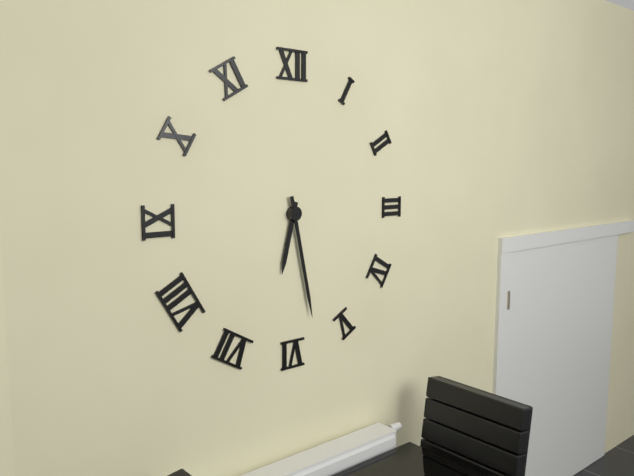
{"hour": 6, "minute": 28}
